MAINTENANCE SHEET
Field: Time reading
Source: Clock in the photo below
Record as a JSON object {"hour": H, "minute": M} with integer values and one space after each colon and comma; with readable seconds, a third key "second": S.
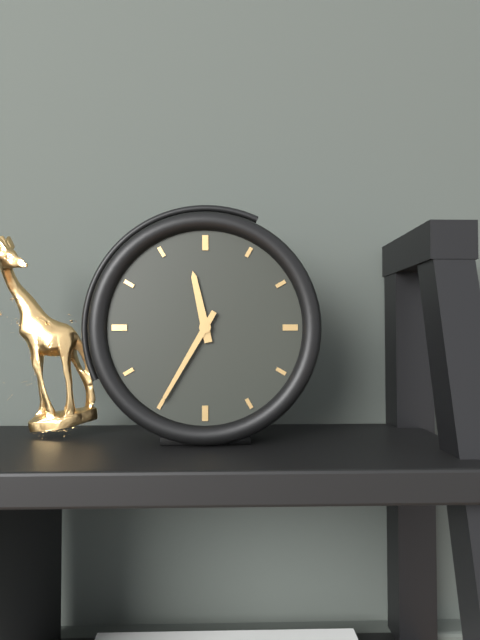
{"hour": 11, "minute": 35}
